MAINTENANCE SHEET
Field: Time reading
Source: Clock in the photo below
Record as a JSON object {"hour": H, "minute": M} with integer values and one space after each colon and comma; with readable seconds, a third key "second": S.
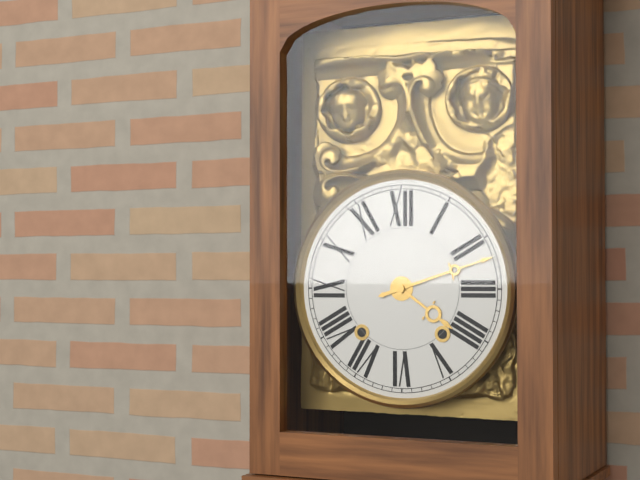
{"hour": 4, "minute": 12}
